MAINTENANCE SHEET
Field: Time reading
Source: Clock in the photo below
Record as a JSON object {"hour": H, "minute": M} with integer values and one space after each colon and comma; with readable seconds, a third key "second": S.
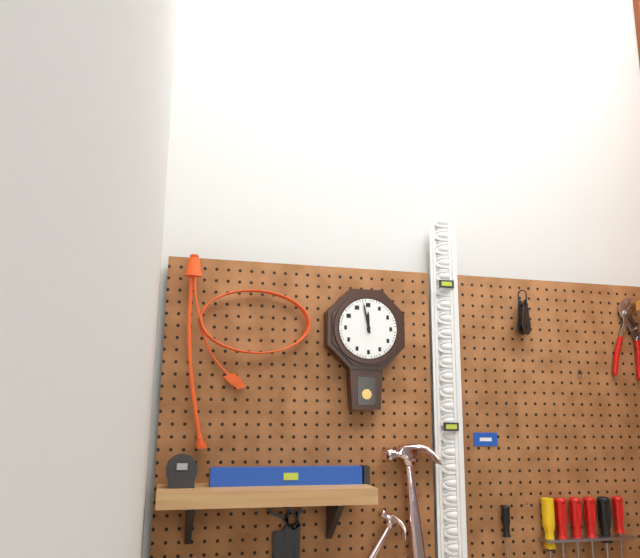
{"hour": 11, "minute": 58}
